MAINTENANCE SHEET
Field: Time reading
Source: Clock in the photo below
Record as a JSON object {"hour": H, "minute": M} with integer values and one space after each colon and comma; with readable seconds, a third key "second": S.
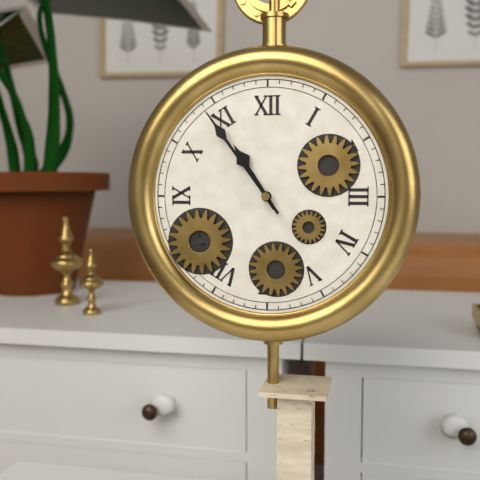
{"hour": 10, "minute": 54}
